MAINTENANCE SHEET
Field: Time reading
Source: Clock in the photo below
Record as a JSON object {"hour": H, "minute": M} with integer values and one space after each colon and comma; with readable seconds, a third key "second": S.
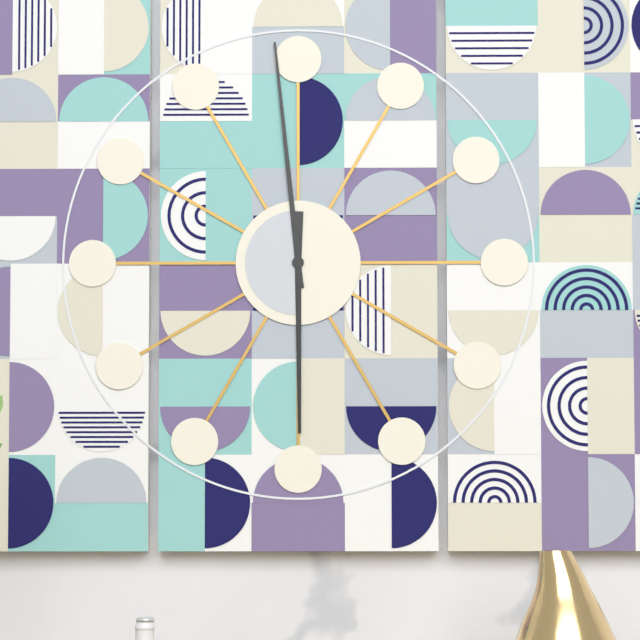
{"hour": 5, "minute": 59}
